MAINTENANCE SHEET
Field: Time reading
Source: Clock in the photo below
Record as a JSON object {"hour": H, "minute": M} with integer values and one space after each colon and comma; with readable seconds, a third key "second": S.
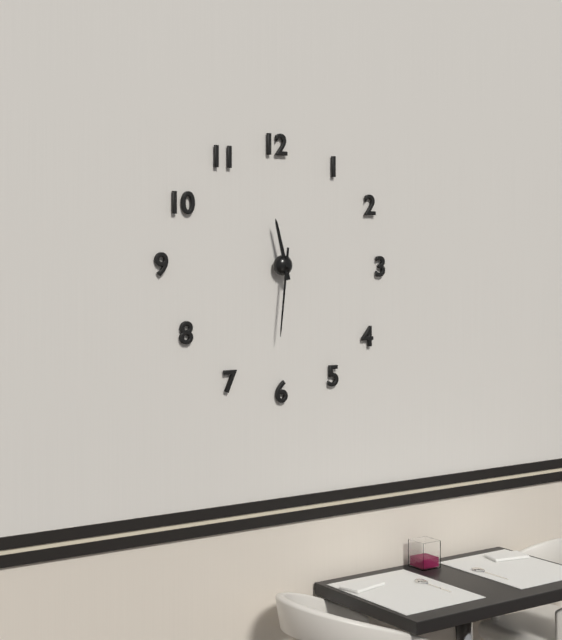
{"hour": 11, "minute": 31}
